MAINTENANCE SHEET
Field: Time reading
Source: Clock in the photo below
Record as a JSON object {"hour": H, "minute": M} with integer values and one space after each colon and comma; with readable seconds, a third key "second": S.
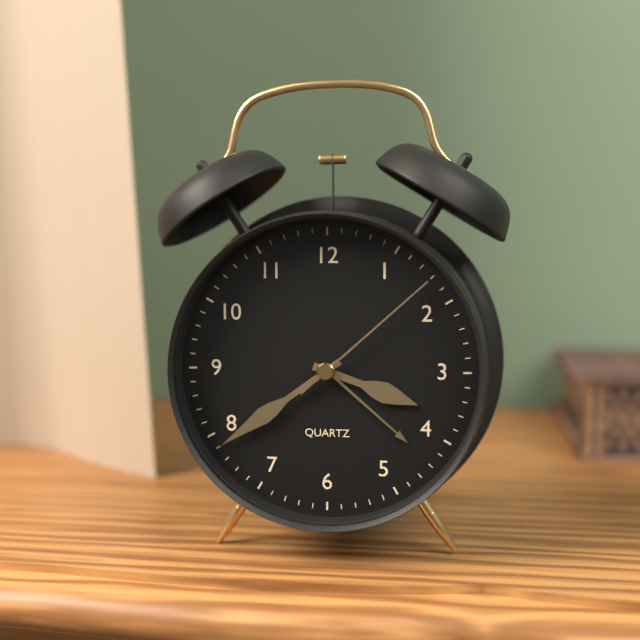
{"hour": 3, "minute": 39, "second": 8}
